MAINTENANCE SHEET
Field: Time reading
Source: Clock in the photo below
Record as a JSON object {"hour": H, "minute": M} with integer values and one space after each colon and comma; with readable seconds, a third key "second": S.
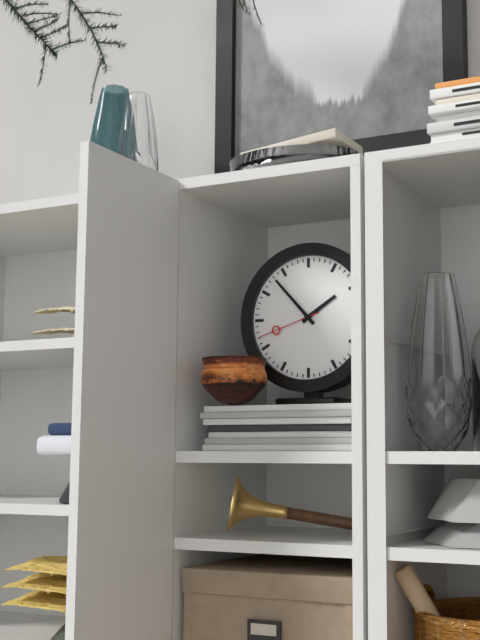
{"hour": 1, "minute": 53, "second": 42}
